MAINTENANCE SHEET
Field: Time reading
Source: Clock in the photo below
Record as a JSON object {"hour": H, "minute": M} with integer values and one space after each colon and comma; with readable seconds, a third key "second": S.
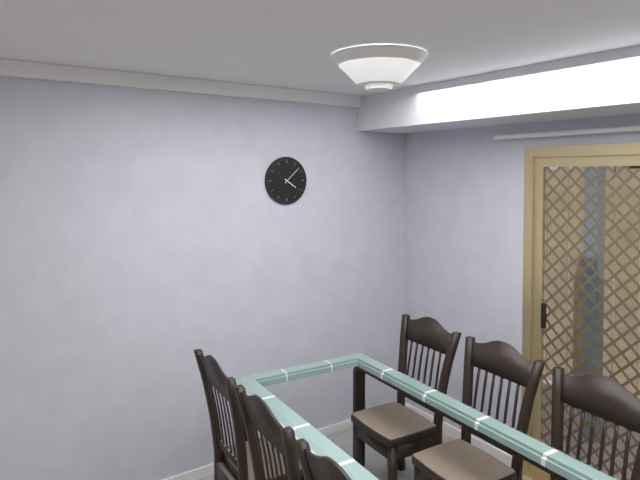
{"hour": 4, "minute": 8}
